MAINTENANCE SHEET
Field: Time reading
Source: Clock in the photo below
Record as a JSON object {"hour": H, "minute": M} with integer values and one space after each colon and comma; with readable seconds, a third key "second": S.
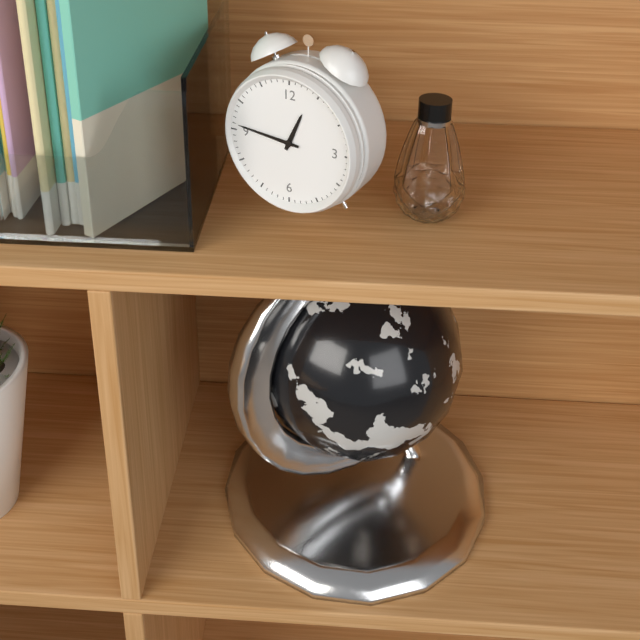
{"hour": 12, "minute": 46}
